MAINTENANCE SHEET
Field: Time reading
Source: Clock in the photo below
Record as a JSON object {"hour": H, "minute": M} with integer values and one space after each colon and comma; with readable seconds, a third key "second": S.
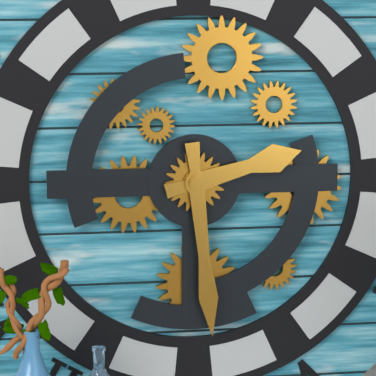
{"hour": 2, "minute": 29}
